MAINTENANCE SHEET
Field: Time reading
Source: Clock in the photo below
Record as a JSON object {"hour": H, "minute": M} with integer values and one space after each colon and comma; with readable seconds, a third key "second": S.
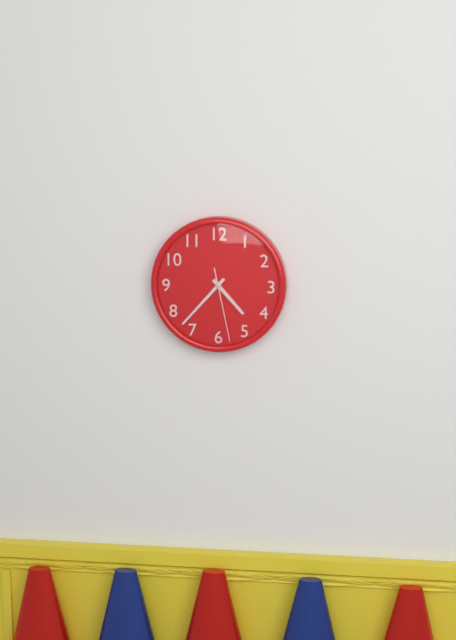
{"hour": 4, "minute": 37, "second": 28}
